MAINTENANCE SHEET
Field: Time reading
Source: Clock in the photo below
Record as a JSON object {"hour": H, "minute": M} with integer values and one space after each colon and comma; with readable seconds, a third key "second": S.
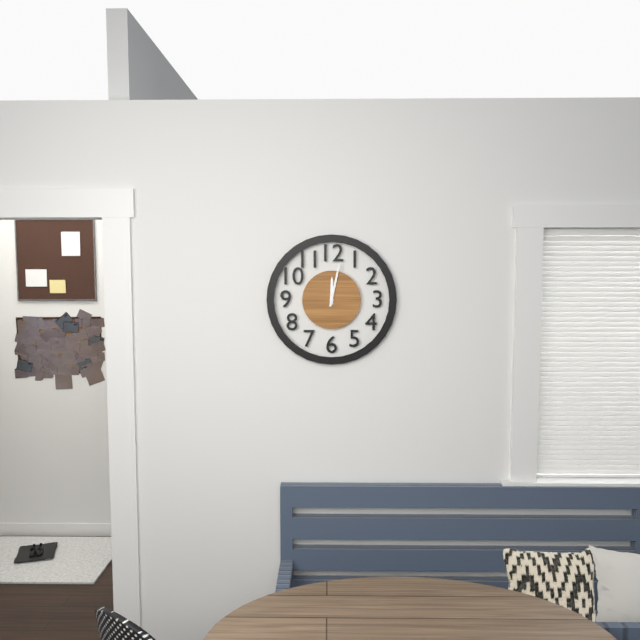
{"hour": 12, "minute": 2}
